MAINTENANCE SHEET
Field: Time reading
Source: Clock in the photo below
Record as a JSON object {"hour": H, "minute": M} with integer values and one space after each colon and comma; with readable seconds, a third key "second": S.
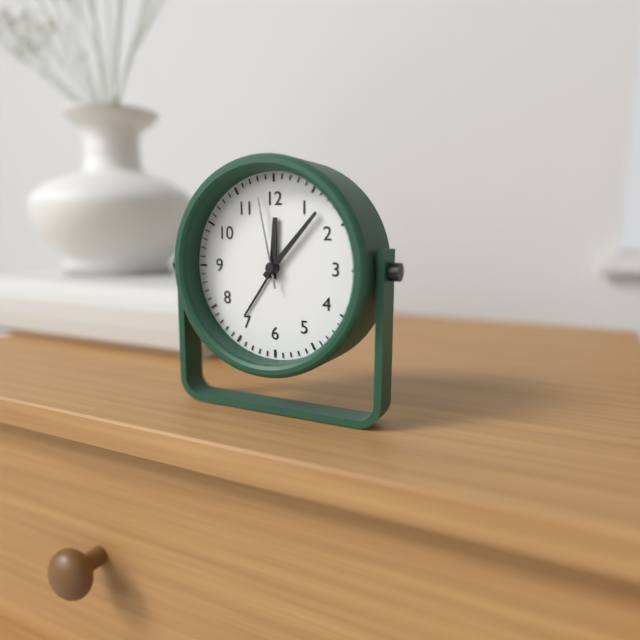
{"hour": 12, "minute": 7, "second": 58}
